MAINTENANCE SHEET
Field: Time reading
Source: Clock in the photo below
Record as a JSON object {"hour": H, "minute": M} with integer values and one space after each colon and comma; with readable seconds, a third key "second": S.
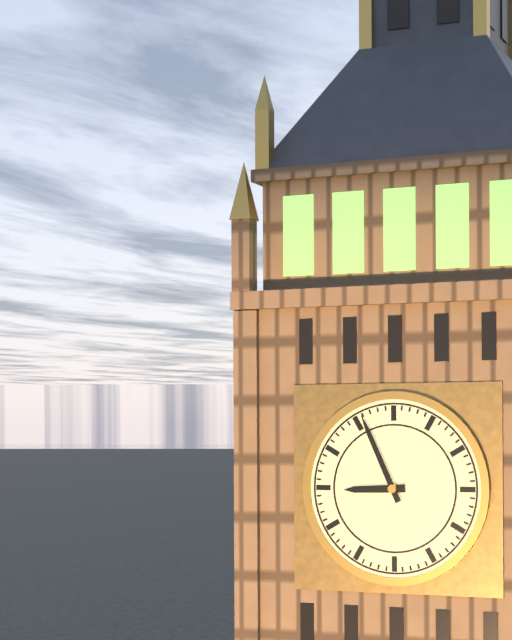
{"hour": 8, "minute": 56}
